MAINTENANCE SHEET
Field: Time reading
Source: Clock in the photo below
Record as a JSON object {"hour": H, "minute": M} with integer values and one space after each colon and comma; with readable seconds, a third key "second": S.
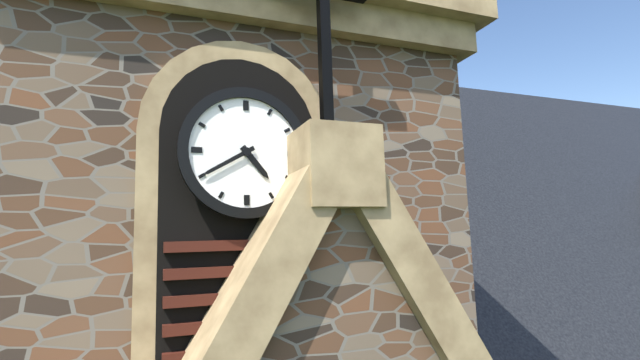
{"hour": 4, "minute": 40}
